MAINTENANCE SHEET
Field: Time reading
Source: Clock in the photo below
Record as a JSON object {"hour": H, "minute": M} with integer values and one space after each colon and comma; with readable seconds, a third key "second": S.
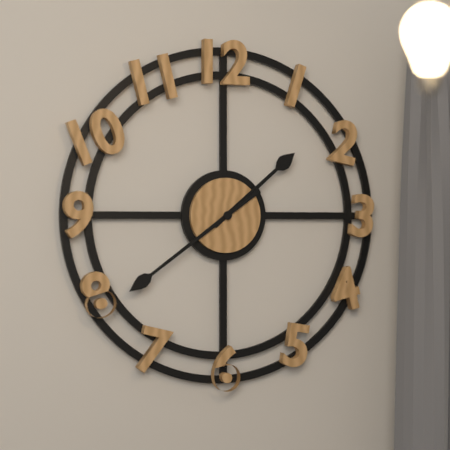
{"hour": 1, "minute": 39}
